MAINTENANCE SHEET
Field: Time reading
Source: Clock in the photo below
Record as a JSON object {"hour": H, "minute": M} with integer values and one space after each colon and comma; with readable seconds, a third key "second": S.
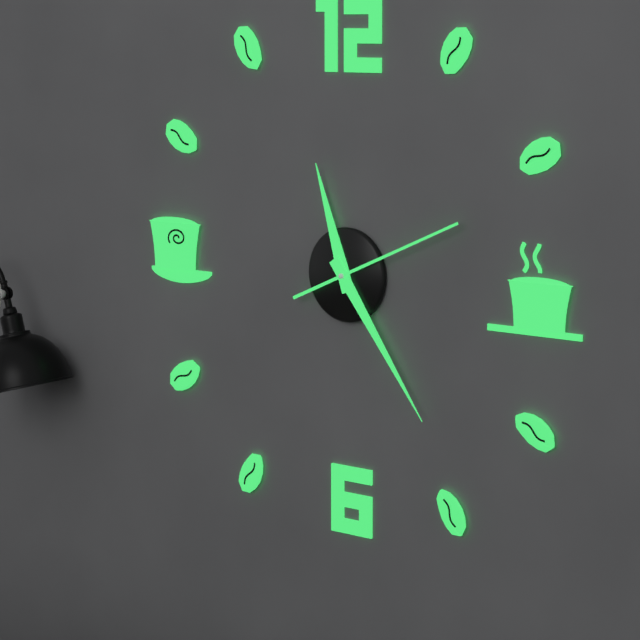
{"hour": 11, "minute": 24, "second": 11}
